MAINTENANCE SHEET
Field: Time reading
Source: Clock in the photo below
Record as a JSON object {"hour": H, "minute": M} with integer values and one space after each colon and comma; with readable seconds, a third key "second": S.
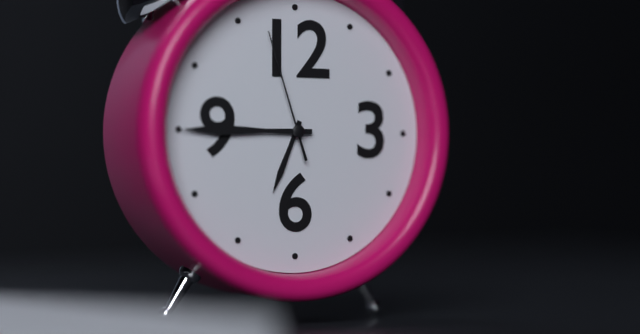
{"hour": 6, "minute": 45, "second": 57}
